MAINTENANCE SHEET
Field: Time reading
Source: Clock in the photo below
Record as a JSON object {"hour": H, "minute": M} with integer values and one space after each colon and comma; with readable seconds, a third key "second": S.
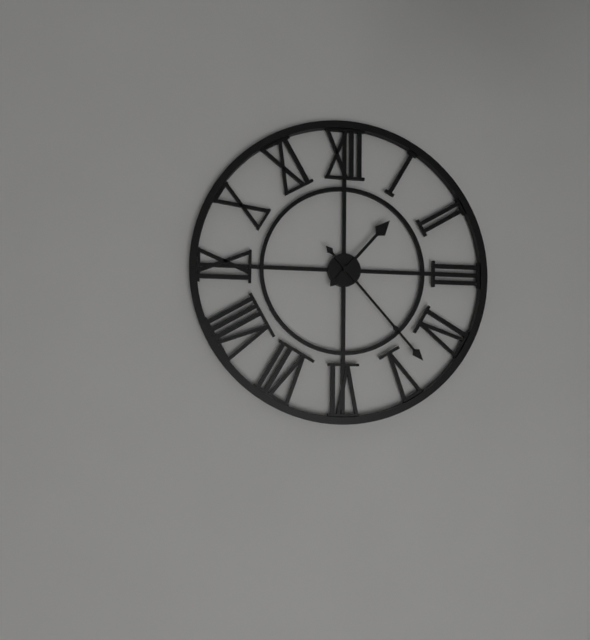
{"hour": 1, "minute": 23}
